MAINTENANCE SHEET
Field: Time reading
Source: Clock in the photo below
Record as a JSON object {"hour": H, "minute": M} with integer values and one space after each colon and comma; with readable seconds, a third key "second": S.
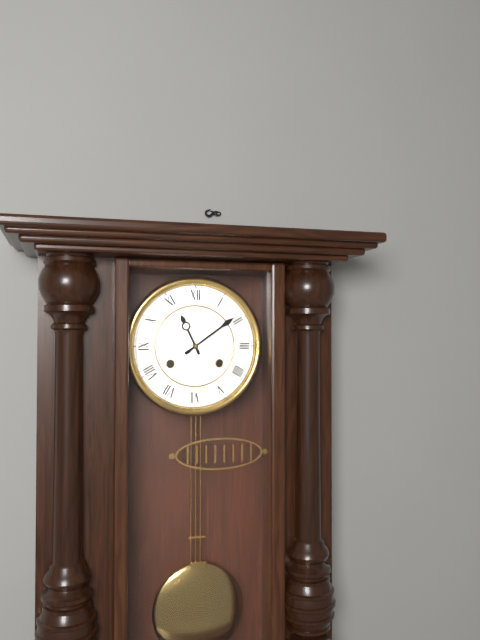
{"hour": 11, "minute": 9}
